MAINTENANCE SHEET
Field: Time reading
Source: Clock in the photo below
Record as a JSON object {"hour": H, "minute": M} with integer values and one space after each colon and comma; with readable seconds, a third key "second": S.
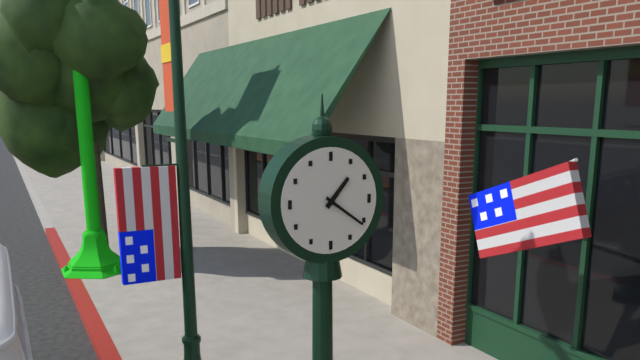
{"hour": 1, "minute": 21}
